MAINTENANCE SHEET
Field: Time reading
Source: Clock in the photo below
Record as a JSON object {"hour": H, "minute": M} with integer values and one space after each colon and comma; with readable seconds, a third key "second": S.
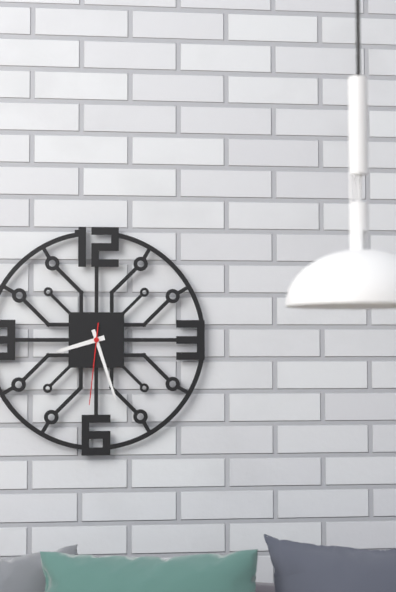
{"hour": 8, "minute": 27, "second": 31}
